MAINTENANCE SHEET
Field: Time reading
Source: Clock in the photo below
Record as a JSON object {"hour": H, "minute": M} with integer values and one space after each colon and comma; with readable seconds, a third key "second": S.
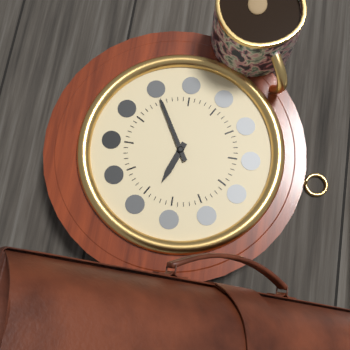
{"hour": 3, "minute": 40}
